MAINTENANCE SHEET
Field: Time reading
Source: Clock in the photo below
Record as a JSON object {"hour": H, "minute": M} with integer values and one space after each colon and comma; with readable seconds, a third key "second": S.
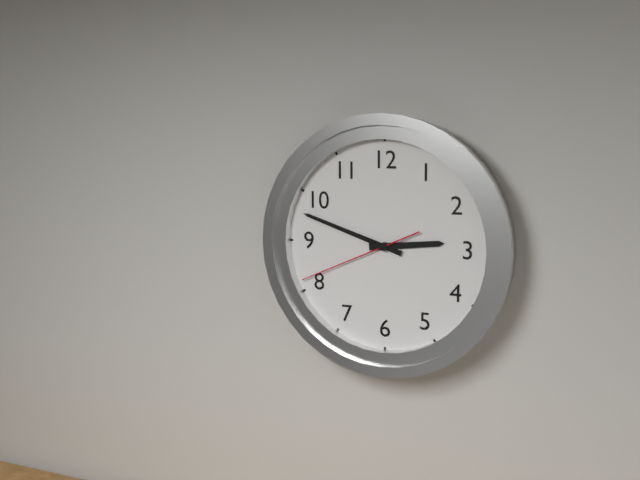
{"hour": 2, "minute": 48, "second": 41}
